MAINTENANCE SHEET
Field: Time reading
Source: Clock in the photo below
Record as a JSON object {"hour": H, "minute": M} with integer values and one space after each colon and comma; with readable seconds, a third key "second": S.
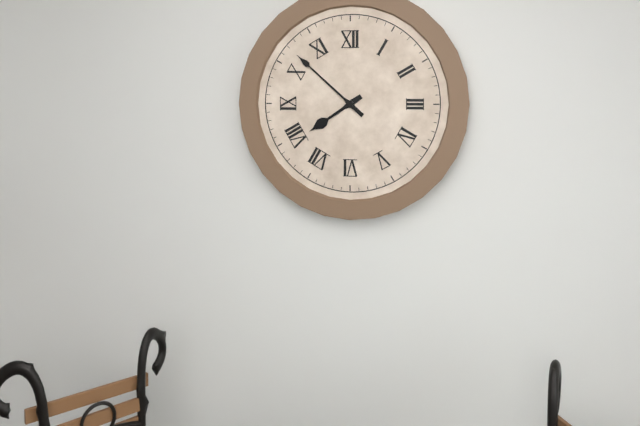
{"hour": 7, "minute": 52}
